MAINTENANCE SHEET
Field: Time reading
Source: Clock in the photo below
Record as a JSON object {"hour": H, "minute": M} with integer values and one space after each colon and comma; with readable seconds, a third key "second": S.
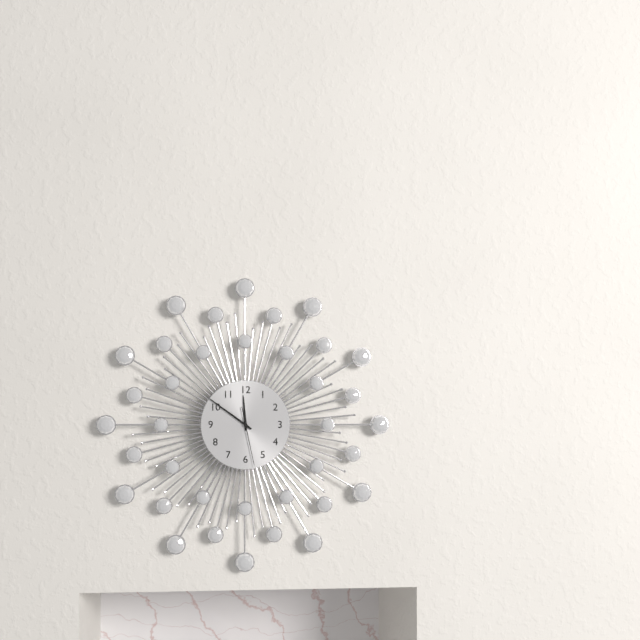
{"hour": 11, "minute": 51, "second": 28}
